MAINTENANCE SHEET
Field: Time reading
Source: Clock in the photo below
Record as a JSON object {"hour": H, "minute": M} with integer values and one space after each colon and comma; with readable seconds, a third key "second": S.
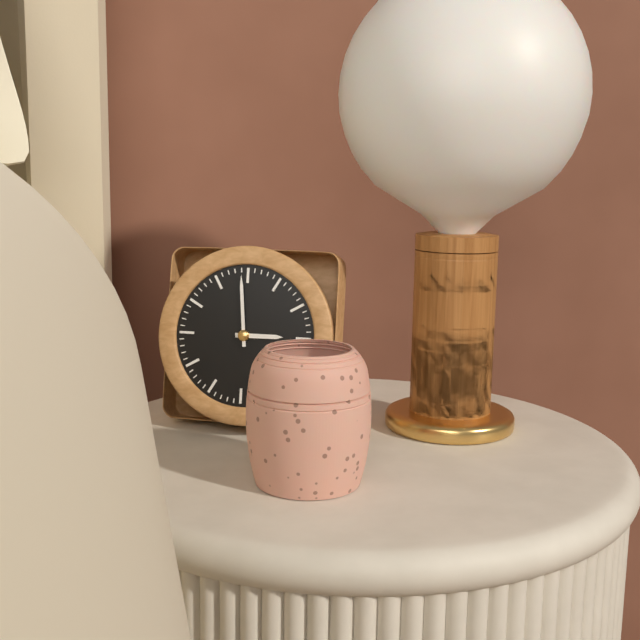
{"hour": 2, "minute": 59}
